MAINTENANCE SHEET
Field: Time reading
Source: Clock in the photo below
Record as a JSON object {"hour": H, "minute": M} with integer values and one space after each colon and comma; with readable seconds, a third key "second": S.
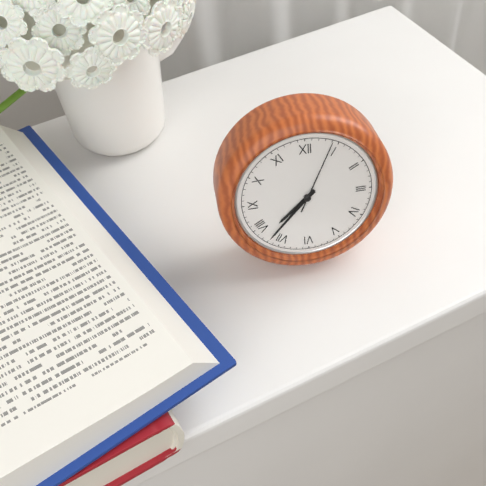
{"hour": 7, "minute": 37, "second": 4}
